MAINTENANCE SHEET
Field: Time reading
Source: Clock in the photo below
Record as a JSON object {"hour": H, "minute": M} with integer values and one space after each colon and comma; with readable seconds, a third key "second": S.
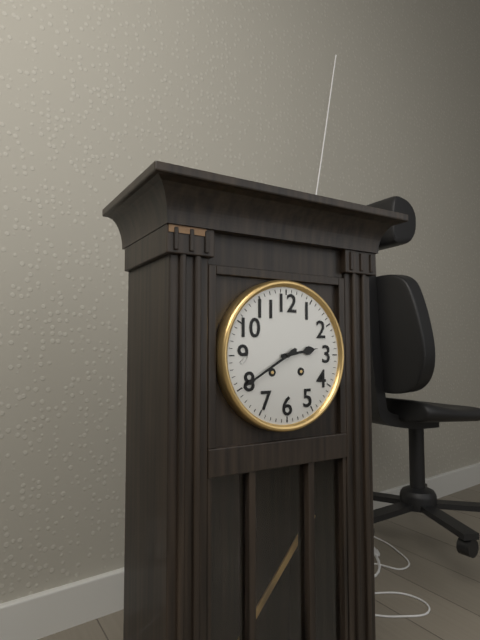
{"hour": 2, "minute": 40}
